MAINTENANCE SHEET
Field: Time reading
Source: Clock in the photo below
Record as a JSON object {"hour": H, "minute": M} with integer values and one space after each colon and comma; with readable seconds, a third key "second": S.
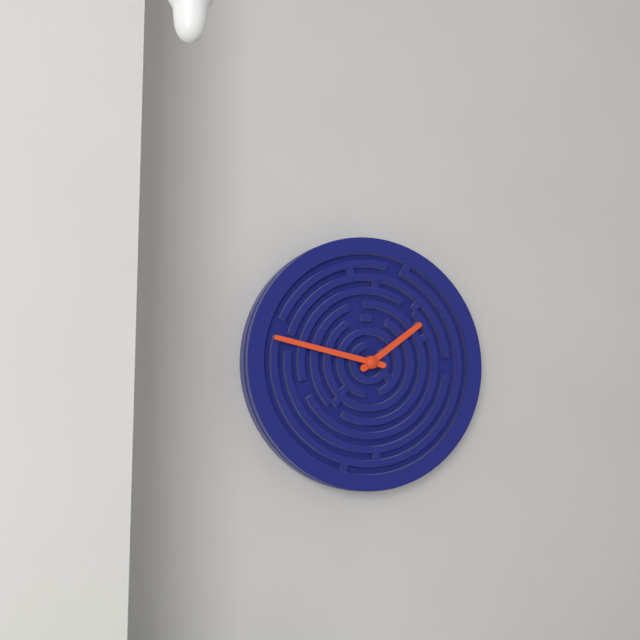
{"hour": 1, "minute": 47}
